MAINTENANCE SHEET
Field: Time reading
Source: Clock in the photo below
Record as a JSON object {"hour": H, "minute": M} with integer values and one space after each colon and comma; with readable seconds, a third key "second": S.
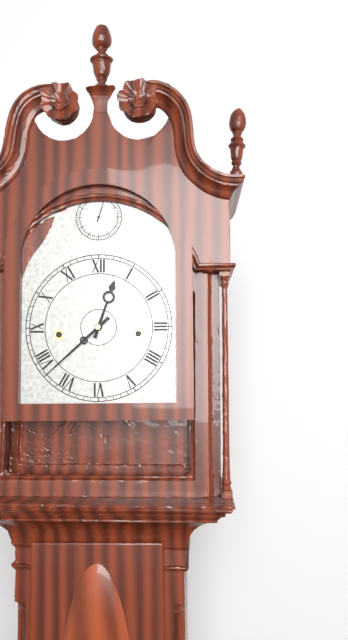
{"hour": 12, "minute": 38}
